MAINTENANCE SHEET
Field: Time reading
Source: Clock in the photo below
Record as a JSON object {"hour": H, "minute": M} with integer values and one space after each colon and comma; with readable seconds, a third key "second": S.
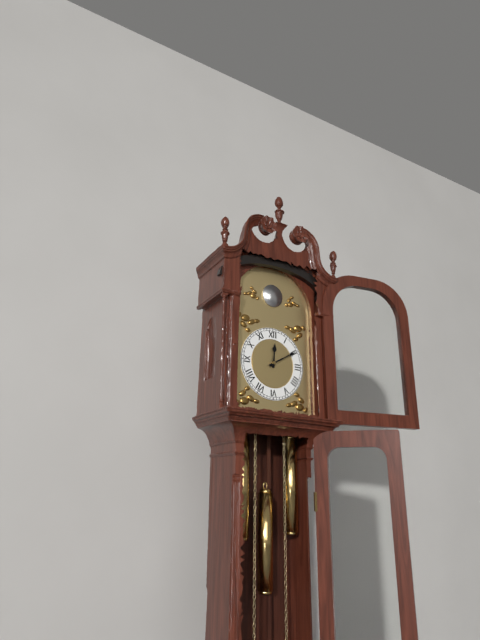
{"hour": 12, "minute": 10}
